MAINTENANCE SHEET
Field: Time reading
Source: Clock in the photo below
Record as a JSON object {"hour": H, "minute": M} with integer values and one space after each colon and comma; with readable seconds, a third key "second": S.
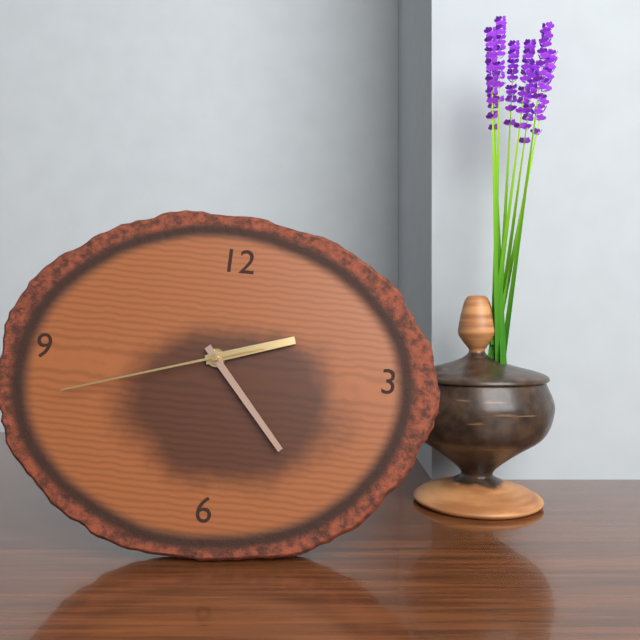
{"hour": 2, "minute": 23, "second": 42}
